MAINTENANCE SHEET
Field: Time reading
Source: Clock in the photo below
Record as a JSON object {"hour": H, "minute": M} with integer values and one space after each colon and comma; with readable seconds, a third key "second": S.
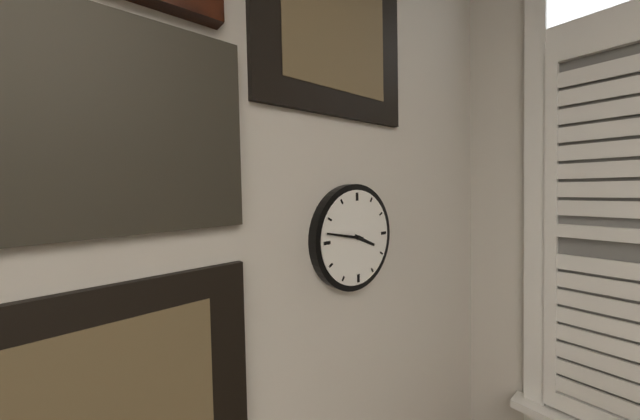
{"hour": 3, "minute": 47}
